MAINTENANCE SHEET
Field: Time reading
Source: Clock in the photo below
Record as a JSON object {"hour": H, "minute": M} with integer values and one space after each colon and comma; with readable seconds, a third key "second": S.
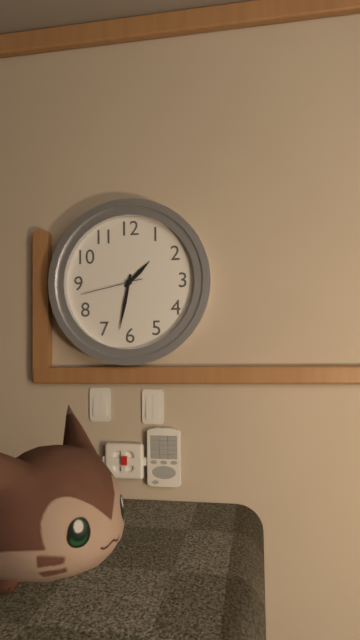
{"hour": 1, "minute": 32, "second": 43}
